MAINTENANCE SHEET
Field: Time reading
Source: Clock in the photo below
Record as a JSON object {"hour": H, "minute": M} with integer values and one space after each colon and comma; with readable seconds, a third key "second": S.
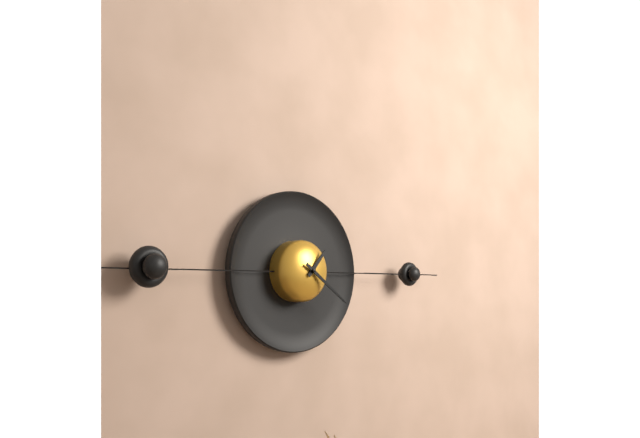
{"hour": 1, "minute": 21}
